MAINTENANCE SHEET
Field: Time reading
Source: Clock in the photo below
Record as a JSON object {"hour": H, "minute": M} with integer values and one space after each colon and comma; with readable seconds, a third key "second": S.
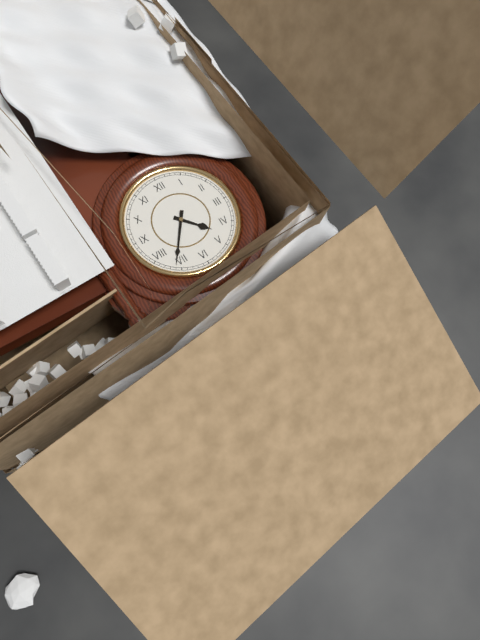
{"hour": 4, "minute": 36}
